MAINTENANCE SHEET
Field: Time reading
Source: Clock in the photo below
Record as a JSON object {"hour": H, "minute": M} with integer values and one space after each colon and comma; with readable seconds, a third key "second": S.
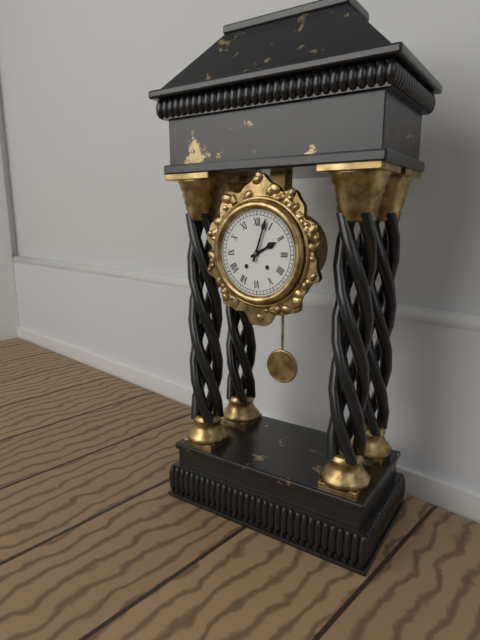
{"hour": 2, "minute": 3}
